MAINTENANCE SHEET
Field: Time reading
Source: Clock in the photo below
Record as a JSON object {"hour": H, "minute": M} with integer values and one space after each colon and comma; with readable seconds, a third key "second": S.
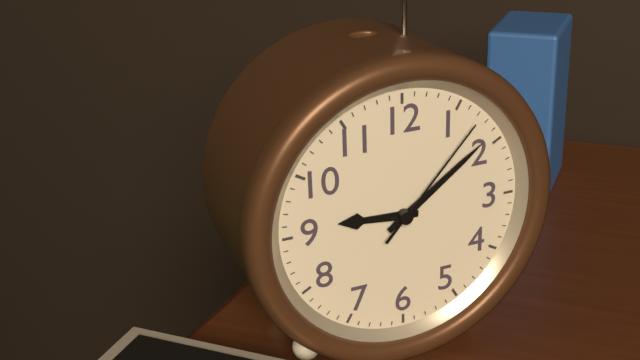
{"hour": 9, "minute": 9, "second": 7}
